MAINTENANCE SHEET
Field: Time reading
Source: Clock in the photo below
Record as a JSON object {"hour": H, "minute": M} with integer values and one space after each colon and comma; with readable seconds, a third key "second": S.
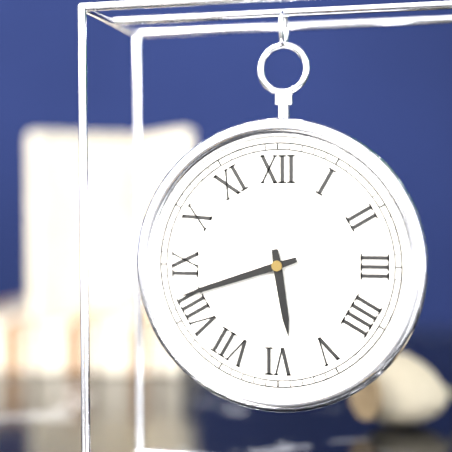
{"hour": 5, "minute": 42}
